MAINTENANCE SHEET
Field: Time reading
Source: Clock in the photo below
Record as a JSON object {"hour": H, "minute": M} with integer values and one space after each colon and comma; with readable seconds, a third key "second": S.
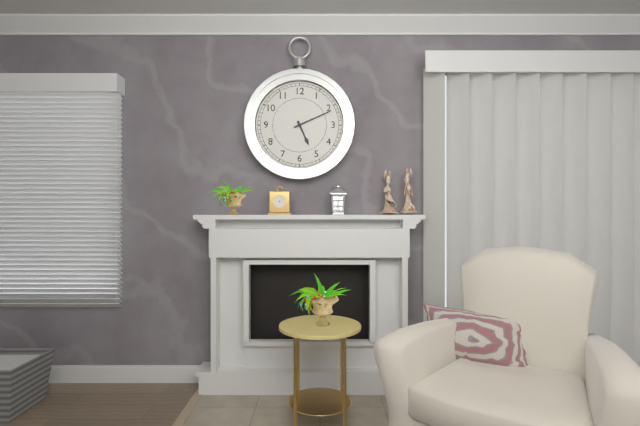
{"hour": 5, "minute": 11}
